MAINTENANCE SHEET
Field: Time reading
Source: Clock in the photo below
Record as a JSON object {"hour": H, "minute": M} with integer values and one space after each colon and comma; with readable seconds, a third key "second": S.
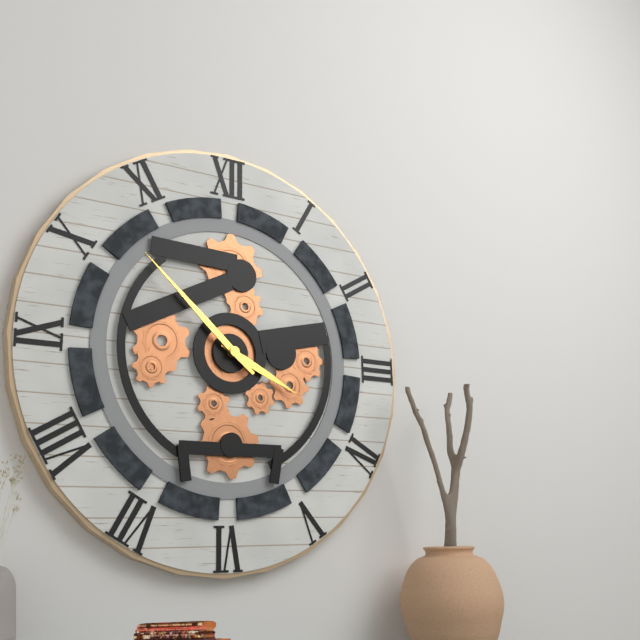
{"hour": 3, "minute": 52}
